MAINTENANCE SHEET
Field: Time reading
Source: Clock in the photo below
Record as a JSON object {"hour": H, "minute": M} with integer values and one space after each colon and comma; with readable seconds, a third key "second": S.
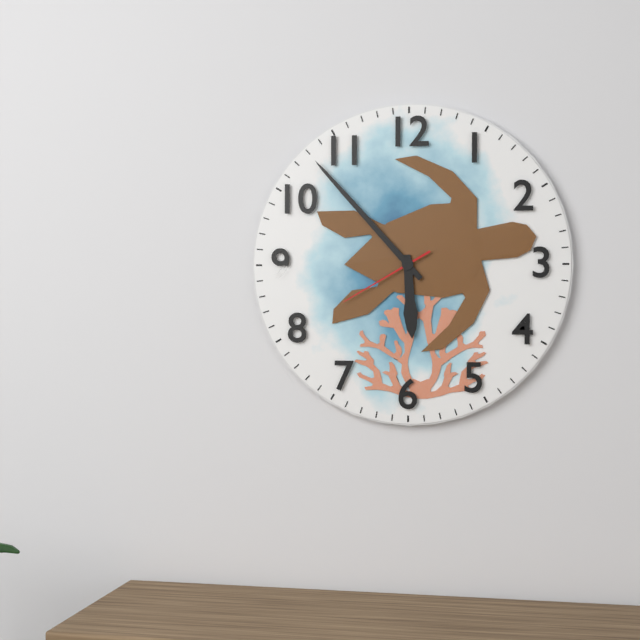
{"hour": 5, "minute": 53, "second": 40}
